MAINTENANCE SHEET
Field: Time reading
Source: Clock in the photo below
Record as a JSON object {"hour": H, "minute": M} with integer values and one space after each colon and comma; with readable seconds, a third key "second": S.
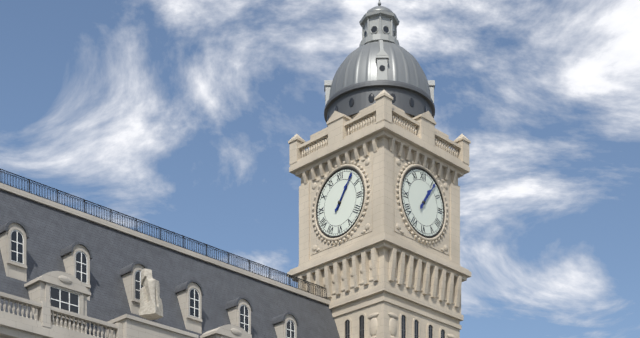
{"hour": 1, "minute": 6}
